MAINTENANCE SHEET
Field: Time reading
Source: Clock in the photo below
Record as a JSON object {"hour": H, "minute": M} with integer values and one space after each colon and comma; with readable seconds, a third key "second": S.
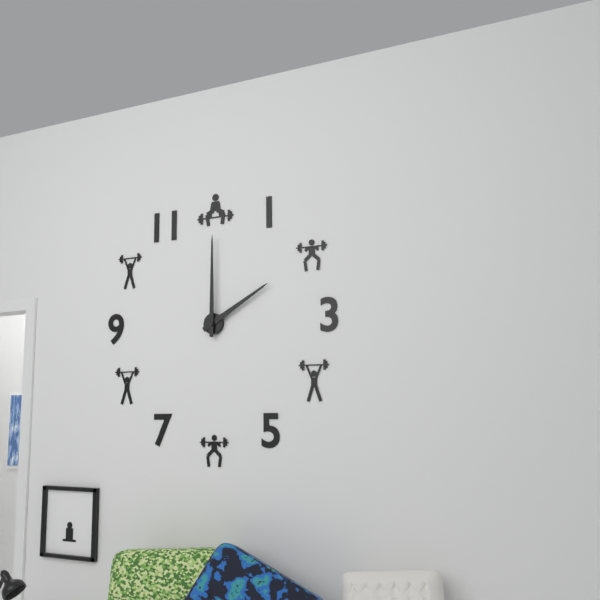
{"hour": 2, "minute": 0}
